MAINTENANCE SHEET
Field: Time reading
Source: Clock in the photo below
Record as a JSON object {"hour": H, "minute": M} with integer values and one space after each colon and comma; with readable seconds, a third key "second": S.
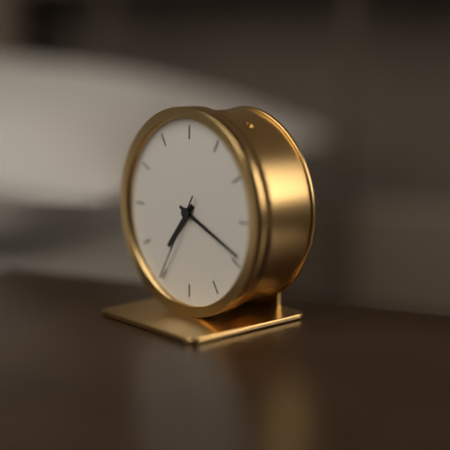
{"hour": 7, "minute": 19, "second": 35}
